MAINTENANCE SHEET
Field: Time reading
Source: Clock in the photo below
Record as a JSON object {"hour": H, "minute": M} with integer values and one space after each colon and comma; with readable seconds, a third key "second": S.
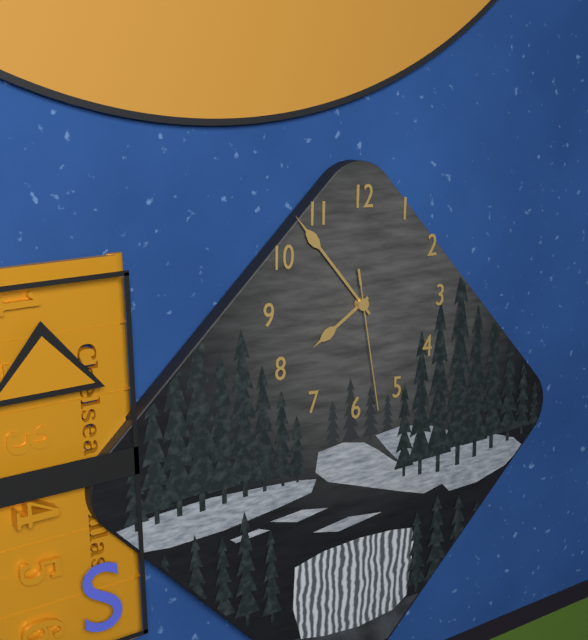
{"hour": 7, "minute": 53, "second": 28}
